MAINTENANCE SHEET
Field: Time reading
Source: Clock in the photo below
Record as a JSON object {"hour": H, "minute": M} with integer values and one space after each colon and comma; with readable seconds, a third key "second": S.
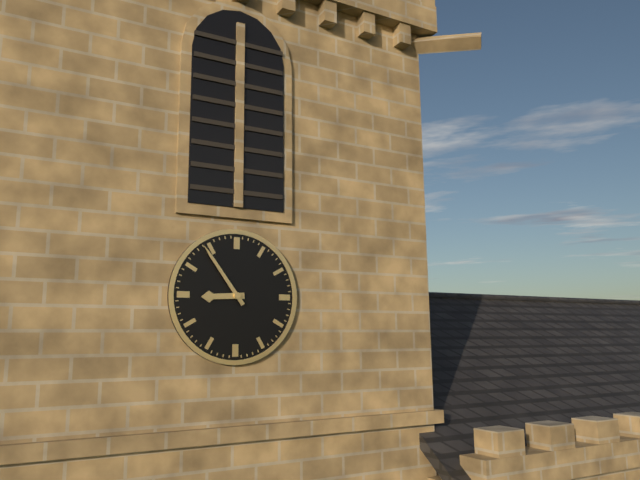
{"hour": 8, "minute": 54}
